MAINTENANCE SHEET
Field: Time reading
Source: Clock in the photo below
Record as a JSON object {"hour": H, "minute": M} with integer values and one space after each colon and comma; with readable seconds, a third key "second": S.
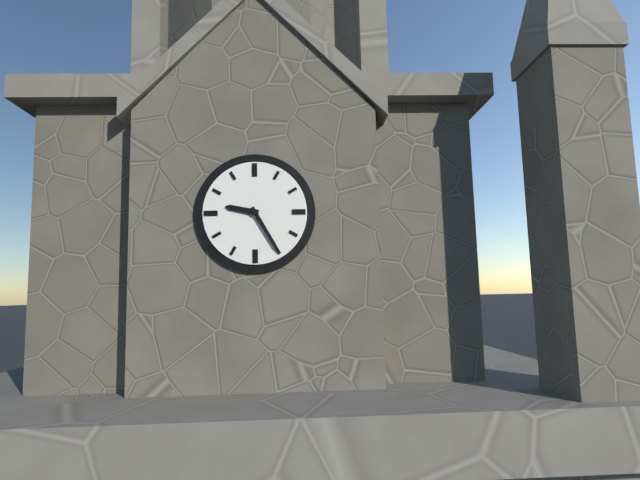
{"hour": 9, "minute": 25}
